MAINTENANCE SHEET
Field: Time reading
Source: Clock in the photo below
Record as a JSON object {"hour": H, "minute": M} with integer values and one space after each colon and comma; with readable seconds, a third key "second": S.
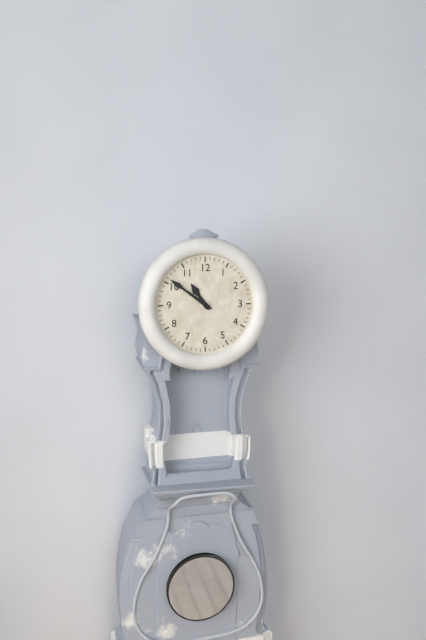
{"hour": 10, "minute": 51}
